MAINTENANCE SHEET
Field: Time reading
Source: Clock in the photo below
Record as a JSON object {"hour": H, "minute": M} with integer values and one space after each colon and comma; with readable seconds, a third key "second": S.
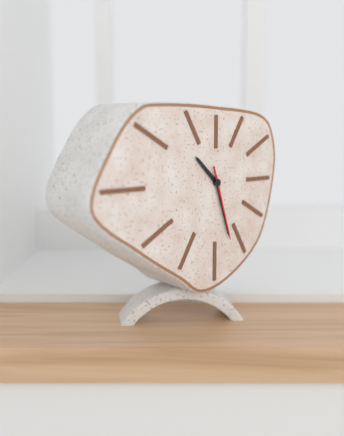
{"hour": 10, "minute": 27, "second": 27}
